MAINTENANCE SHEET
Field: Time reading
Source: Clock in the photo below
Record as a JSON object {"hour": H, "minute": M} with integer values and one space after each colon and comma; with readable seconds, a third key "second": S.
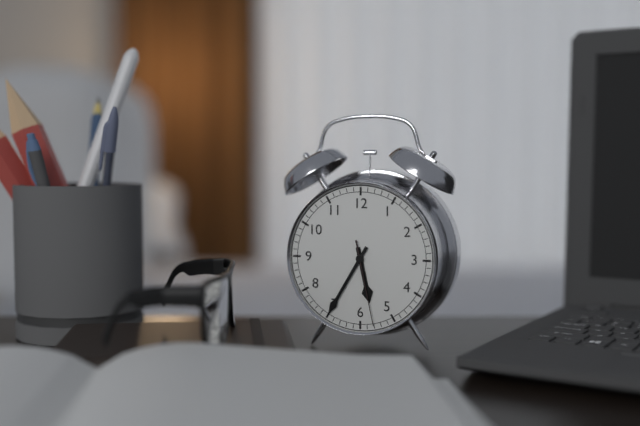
{"hour": 5, "minute": 35, "second": 28}
